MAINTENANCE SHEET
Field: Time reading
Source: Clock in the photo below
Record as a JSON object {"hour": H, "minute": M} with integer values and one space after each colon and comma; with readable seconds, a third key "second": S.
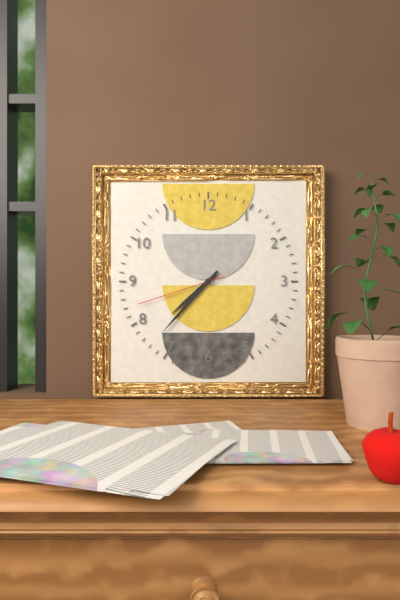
{"hour": 7, "minute": 37, "second": 42}
